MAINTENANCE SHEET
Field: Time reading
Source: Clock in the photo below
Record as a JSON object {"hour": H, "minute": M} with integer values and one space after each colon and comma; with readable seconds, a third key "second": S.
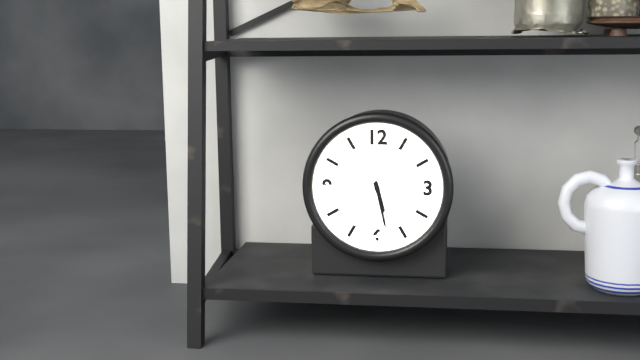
{"hour": 5, "minute": 28}
